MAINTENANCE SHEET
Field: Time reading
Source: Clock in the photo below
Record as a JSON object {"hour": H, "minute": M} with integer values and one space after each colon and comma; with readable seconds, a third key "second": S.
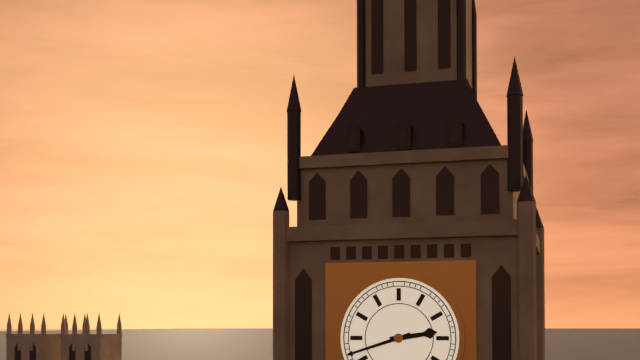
{"hour": 2, "minute": 42}
